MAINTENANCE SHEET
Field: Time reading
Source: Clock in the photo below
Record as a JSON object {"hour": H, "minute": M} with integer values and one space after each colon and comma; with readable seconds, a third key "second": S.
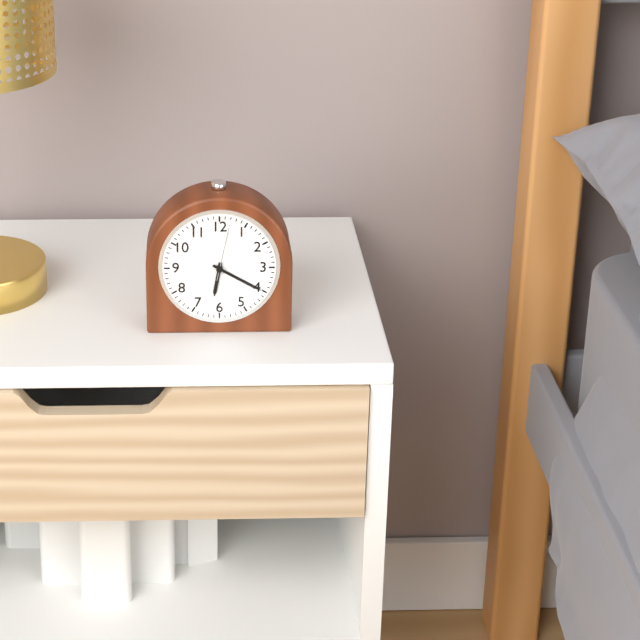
{"hour": 6, "minute": 20, "second": 2}
